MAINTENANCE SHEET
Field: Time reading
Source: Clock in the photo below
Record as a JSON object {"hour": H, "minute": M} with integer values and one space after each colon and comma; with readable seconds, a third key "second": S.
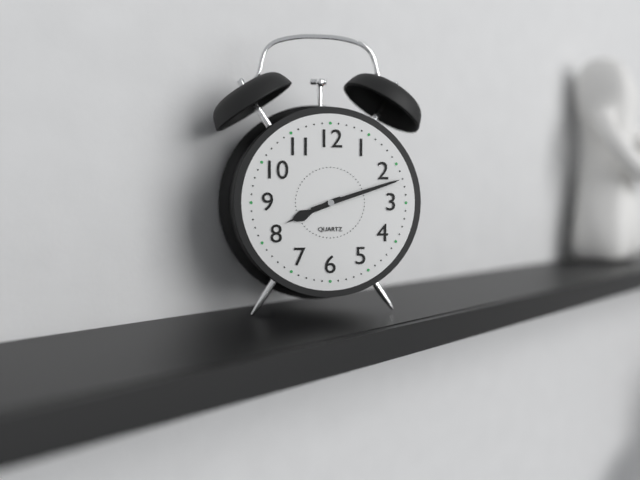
{"hour": 8, "minute": 12}
